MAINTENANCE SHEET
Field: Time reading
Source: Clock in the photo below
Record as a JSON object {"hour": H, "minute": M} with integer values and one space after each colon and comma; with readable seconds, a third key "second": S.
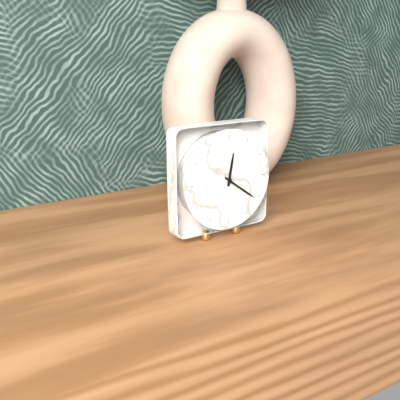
{"hour": 12, "minute": 21}
